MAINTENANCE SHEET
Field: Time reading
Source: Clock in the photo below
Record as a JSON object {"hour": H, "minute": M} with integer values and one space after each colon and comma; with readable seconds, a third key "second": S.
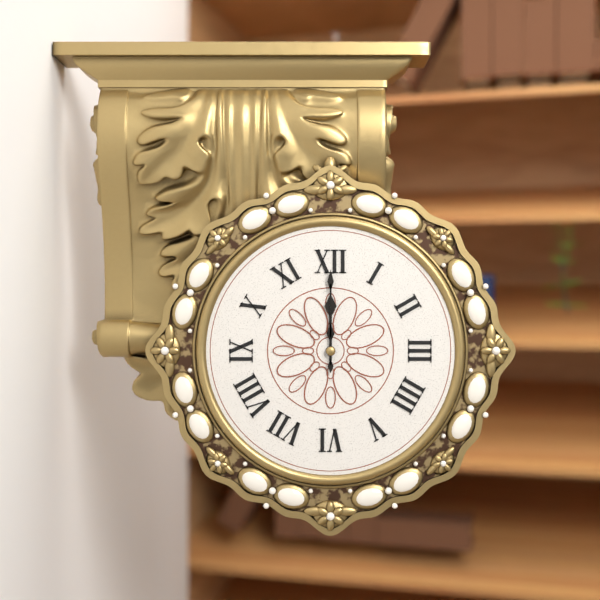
{"hour": 12, "minute": 0}
